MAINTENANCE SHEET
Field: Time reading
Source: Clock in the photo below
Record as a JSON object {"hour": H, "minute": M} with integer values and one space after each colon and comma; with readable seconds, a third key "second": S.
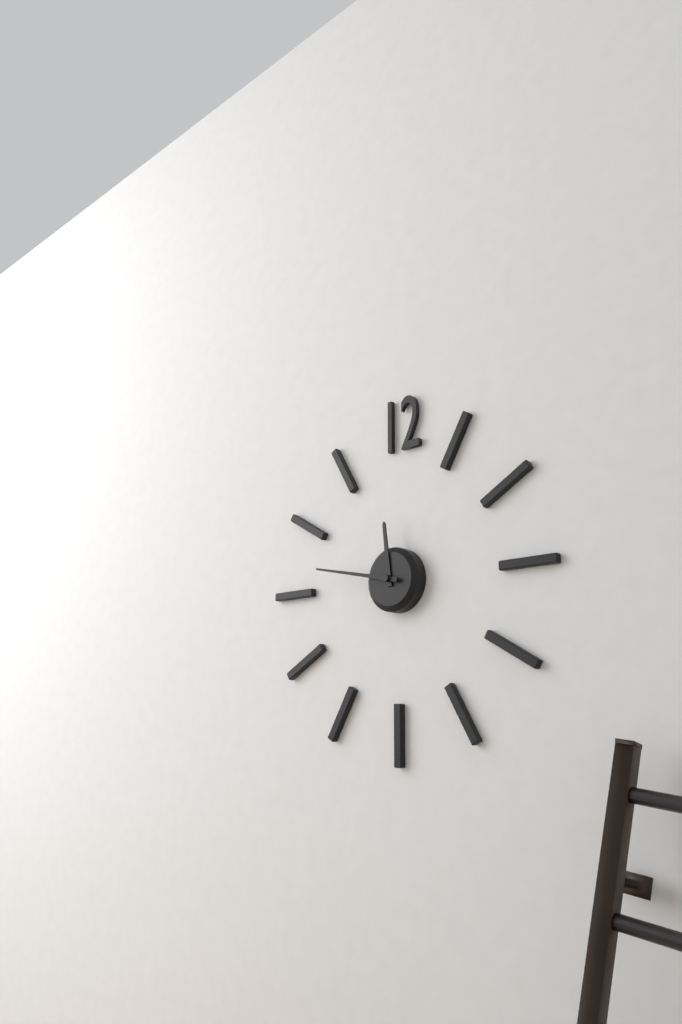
{"hour": 11, "minute": 47}
